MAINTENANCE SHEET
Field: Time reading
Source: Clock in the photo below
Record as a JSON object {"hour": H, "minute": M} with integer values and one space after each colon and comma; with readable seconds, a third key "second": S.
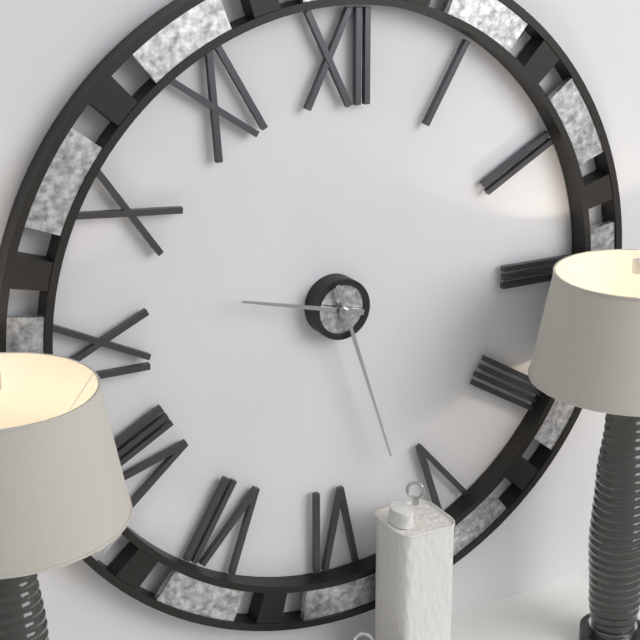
{"hour": 9, "minute": 27}
